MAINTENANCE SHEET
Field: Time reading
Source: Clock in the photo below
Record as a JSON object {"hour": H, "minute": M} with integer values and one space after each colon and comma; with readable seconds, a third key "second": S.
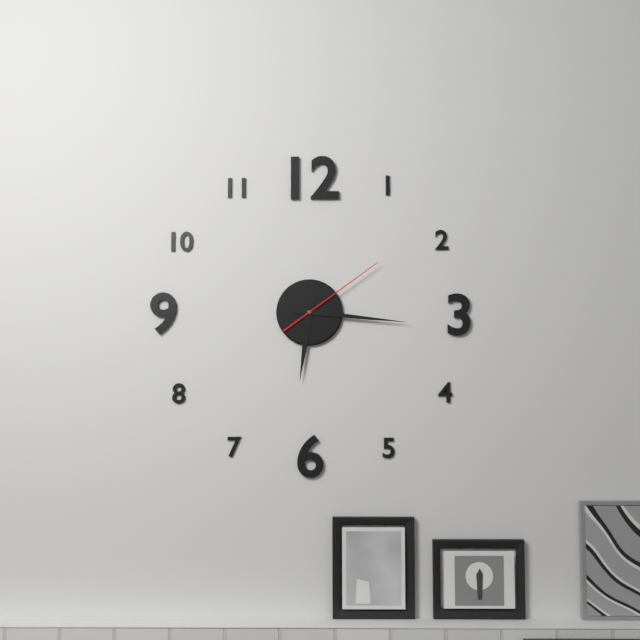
{"hour": 6, "minute": 16, "second": 9}
